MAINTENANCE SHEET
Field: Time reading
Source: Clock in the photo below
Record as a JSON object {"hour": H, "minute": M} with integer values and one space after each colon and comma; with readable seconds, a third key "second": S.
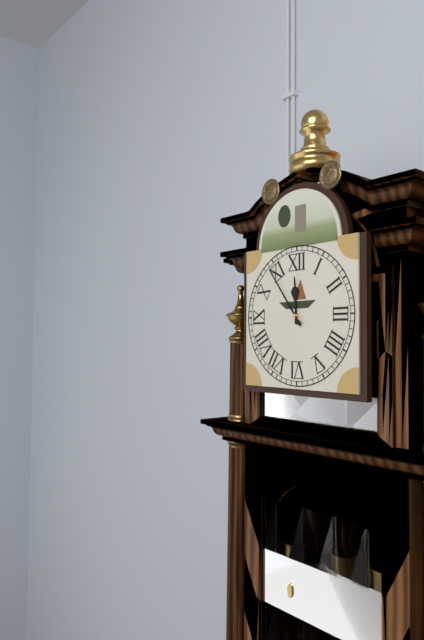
{"hour": 11, "minute": 54}
